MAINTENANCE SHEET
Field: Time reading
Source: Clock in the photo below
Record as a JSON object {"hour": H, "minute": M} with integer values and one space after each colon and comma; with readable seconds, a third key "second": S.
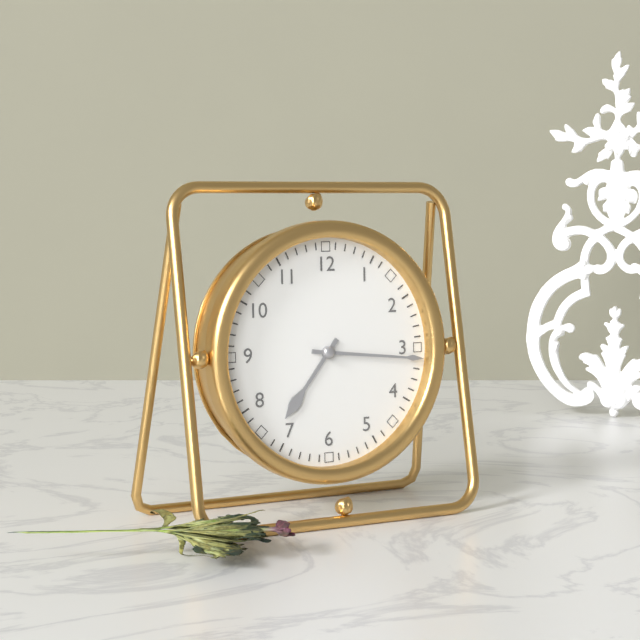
{"hour": 7, "minute": 16}
